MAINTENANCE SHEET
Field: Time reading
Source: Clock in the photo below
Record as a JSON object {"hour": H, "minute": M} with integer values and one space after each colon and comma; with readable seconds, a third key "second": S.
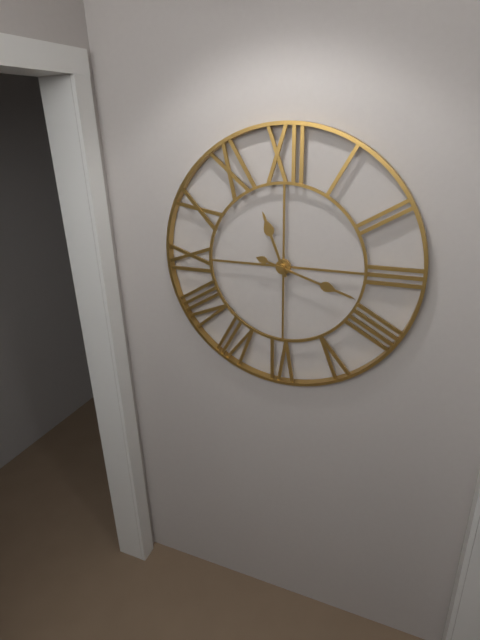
{"hour": 11, "minute": 18}
